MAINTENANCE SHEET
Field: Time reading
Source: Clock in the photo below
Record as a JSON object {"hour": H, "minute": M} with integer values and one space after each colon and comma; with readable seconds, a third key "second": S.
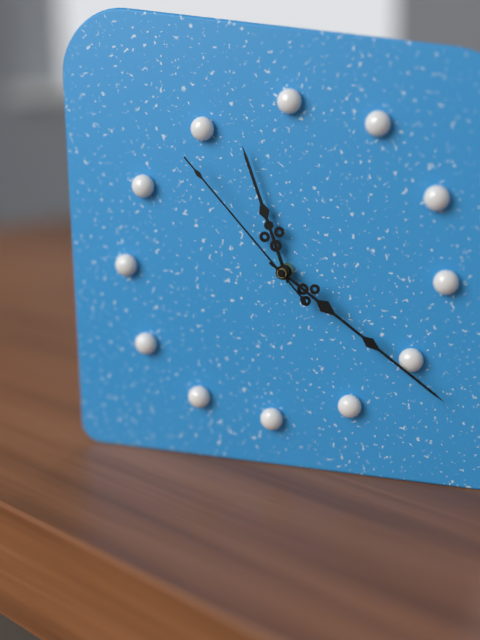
{"hour": 11, "minute": 21, "second": 53}
